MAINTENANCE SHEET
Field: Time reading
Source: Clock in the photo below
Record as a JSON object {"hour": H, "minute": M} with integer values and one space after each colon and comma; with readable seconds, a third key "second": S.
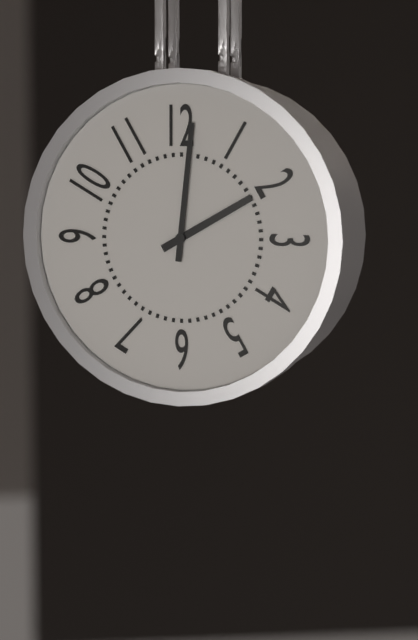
{"hour": 2, "minute": 1}
